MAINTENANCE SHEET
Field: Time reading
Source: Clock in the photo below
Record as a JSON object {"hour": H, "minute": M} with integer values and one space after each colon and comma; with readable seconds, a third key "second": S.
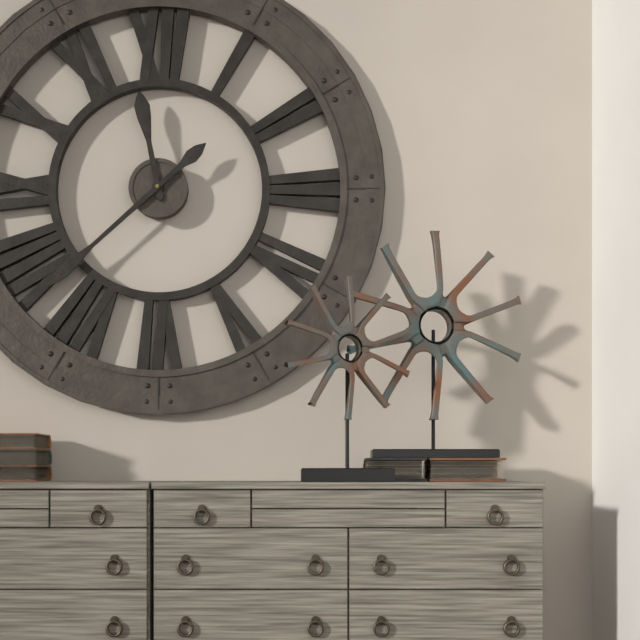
{"hour": 11, "minute": 38}
